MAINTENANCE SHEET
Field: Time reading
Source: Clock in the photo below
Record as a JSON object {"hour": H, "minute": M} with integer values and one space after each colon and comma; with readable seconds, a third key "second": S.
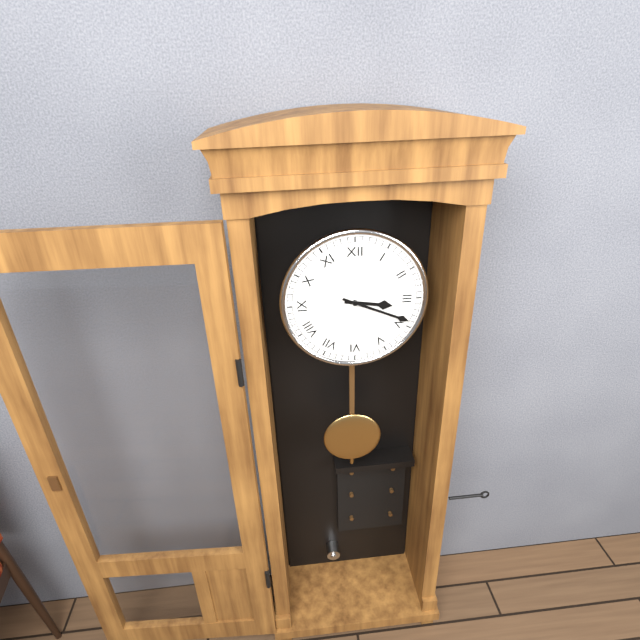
{"hour": 3, "minute": 19}
